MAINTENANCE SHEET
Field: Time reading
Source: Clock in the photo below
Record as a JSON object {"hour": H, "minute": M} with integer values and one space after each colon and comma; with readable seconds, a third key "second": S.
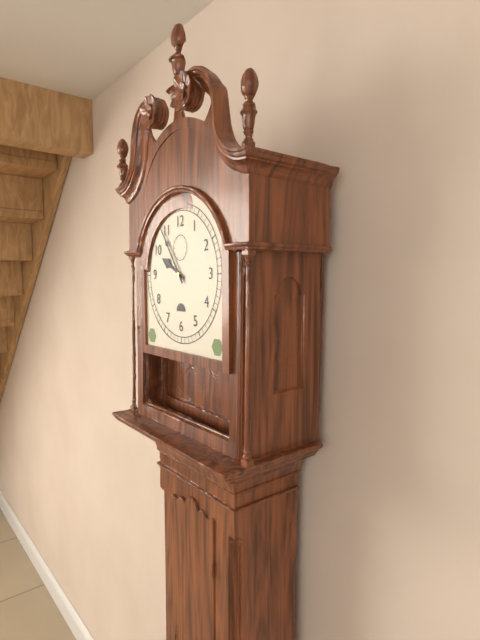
{"hour": 9, "minute": 54}
